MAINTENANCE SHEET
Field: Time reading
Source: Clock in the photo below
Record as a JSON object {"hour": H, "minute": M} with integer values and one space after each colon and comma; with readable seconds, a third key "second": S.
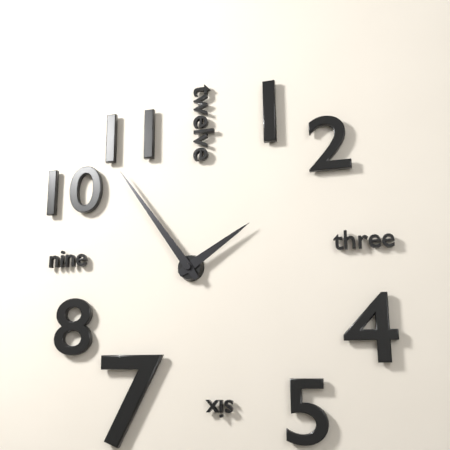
{"hour": 1, "minute": 54}
